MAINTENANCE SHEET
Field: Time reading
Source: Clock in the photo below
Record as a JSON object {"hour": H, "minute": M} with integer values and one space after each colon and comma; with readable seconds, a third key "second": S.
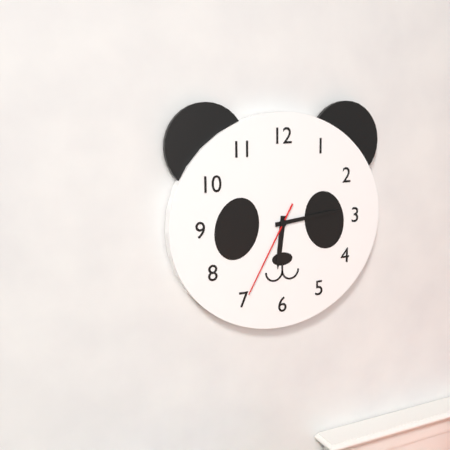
{"hour": 6, "minute": 14, "second": 35}
